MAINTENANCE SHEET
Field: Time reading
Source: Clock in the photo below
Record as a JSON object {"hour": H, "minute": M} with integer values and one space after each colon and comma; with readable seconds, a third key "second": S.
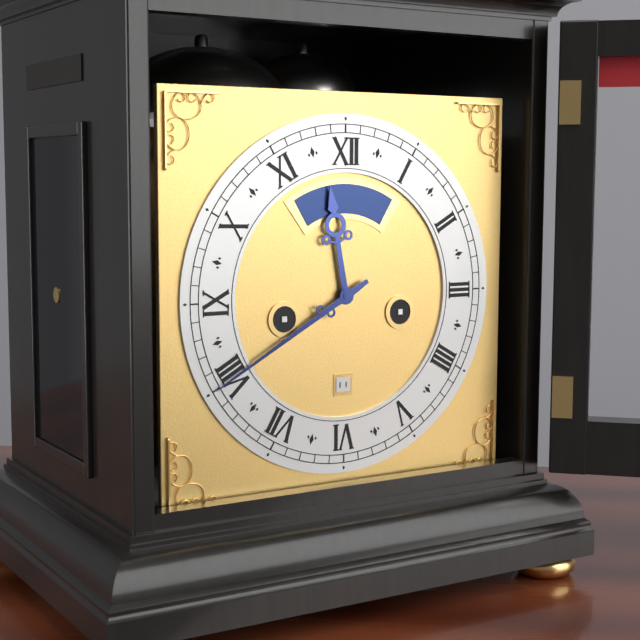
{"hour": 11, "minute": 40}
